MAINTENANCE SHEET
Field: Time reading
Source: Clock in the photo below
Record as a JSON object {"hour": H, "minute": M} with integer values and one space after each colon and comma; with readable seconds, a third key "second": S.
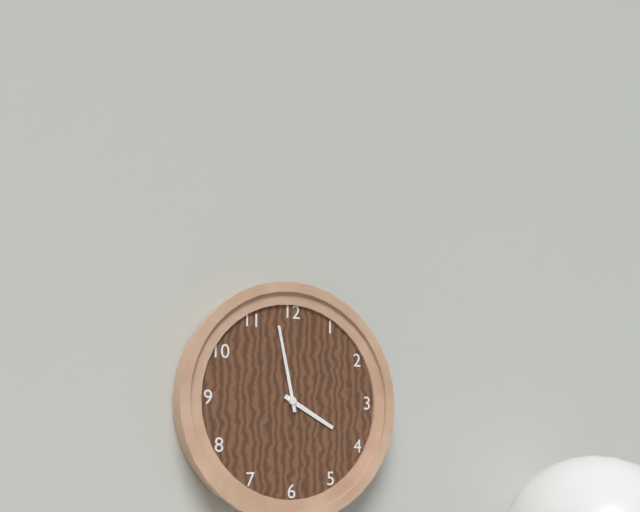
{"hour": 3, "minute": 58}
